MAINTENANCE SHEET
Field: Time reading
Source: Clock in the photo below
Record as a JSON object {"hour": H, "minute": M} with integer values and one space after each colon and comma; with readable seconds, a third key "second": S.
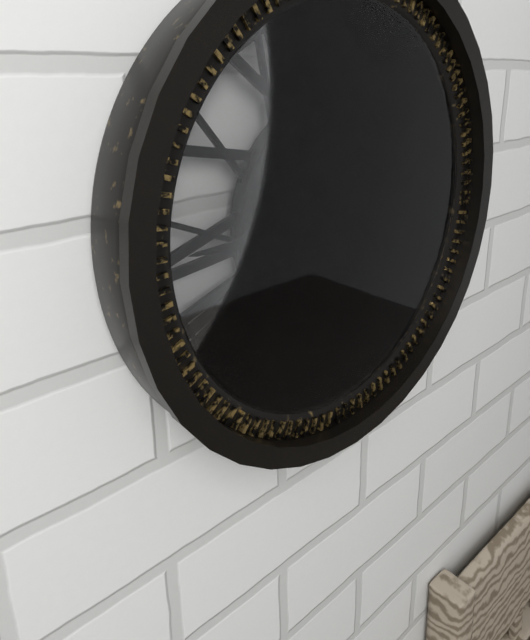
{"hour": 1, "minute": 45}
